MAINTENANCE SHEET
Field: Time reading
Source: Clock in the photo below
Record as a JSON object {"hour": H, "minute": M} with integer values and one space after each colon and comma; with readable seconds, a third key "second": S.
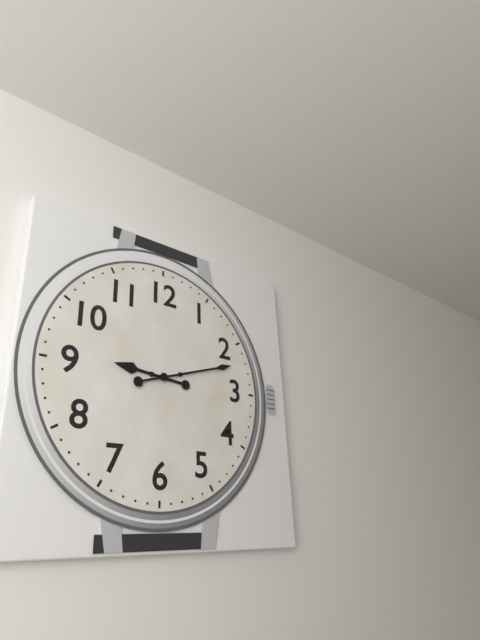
{"hour": 9, "minute": 12}
